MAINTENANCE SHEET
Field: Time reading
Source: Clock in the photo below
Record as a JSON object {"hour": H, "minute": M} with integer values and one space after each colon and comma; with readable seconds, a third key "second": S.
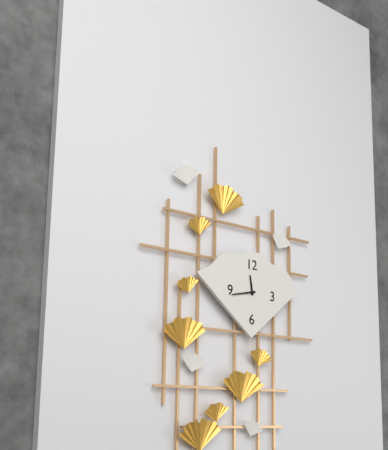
{"hour": 11, "minute": 43}
